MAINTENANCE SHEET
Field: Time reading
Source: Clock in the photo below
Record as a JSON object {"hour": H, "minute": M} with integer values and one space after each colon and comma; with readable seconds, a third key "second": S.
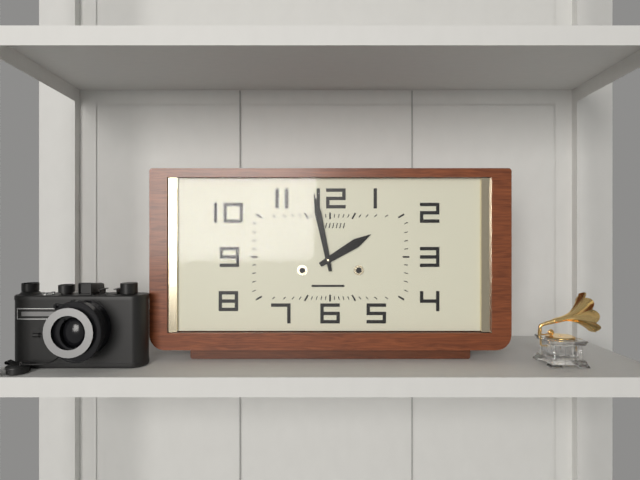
{"hour": 1, "minute": 58}
